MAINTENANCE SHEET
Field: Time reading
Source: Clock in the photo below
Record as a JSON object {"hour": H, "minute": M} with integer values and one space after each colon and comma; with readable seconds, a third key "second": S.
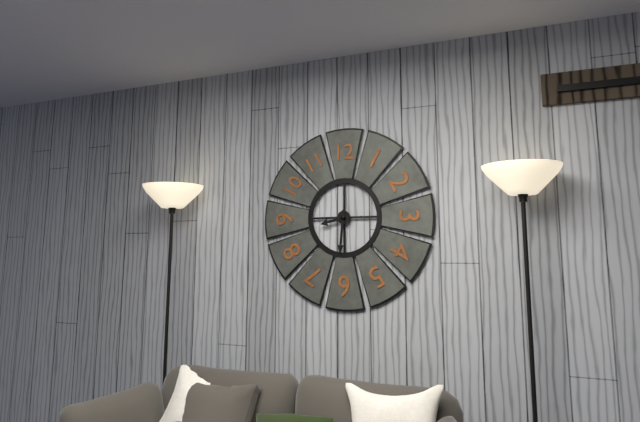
{"hour": 8, "minute": 31}
